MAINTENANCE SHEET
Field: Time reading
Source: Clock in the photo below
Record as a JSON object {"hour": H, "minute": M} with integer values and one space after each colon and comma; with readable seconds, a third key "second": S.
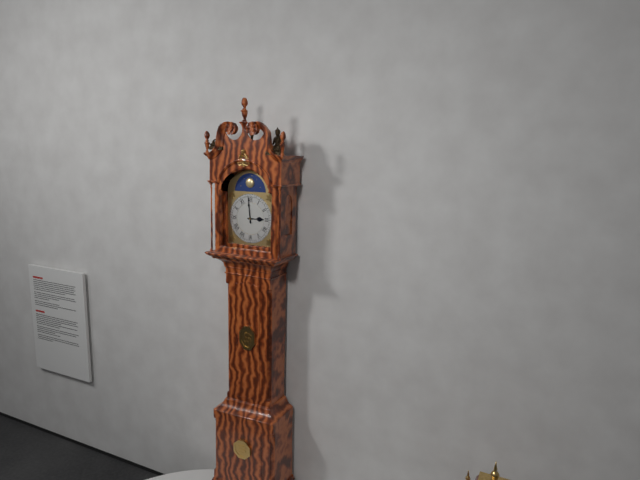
{"hour": 2, "minute": 59}
